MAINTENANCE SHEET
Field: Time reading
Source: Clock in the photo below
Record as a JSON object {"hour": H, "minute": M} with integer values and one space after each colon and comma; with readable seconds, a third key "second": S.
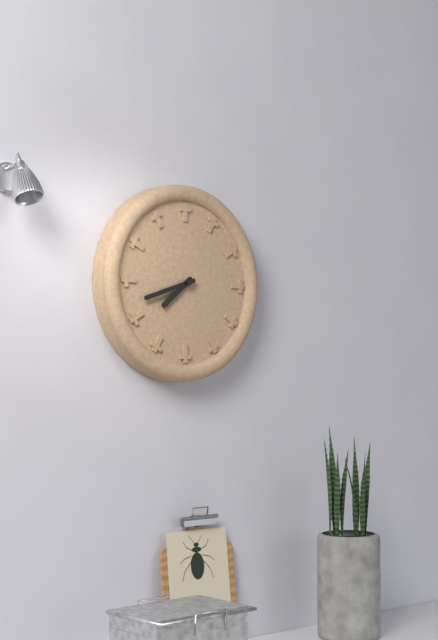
{"hour": 7, "minute": 42}
